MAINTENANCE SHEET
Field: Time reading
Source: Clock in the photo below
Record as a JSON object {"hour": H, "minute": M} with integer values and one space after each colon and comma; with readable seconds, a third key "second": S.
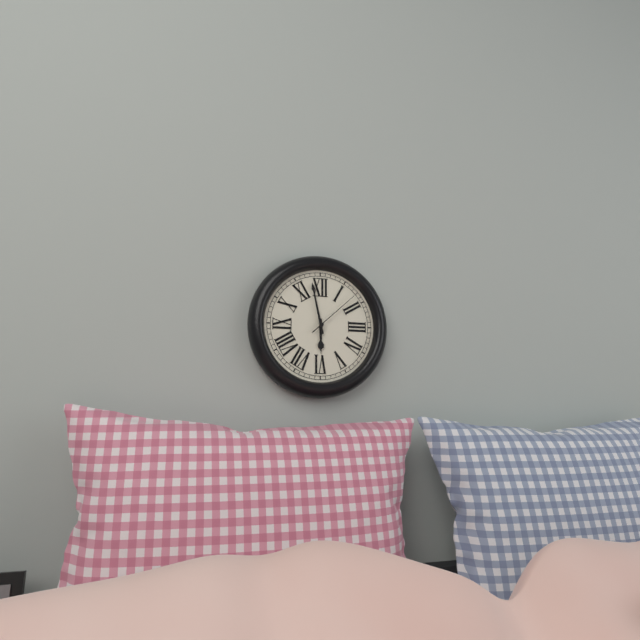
{"hour": 5, "minute": 58, "second": 8}
